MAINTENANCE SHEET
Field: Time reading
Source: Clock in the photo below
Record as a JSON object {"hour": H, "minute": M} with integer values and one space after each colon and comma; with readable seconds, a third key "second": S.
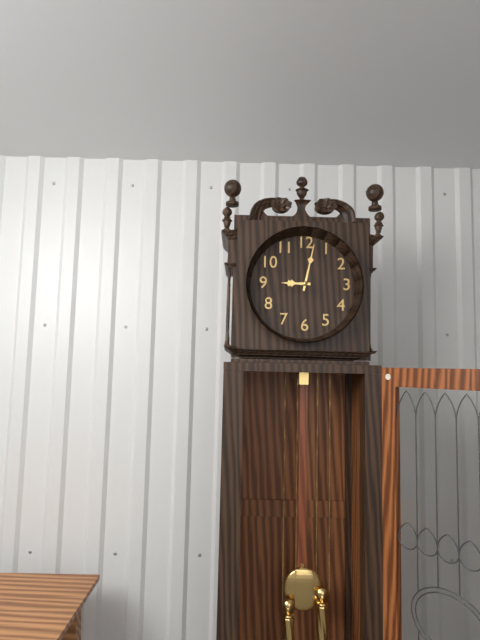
{"hour": 9, "minute": 2}
